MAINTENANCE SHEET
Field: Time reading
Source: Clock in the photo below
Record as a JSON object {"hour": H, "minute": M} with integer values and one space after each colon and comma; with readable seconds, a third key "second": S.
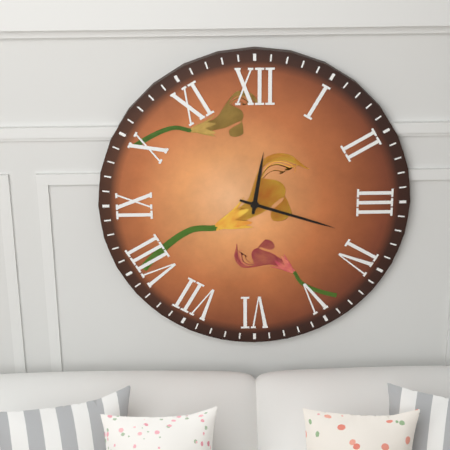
{"hour": 12, "minute": 18}
